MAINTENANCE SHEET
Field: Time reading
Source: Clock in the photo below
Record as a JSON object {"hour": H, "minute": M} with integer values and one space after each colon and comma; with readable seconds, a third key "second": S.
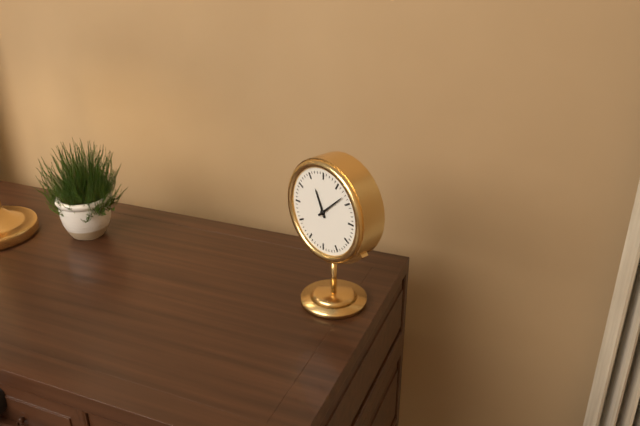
{"hour": 11, "minute": 8}
